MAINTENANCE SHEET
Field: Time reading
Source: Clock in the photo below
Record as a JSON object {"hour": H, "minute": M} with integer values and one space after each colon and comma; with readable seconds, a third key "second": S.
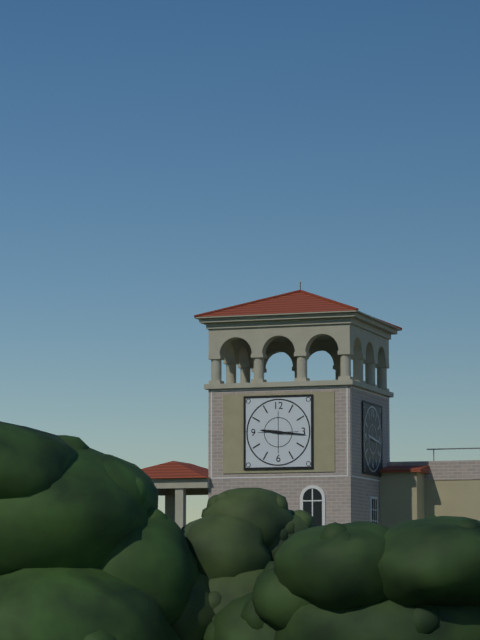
{"hour": 9, "minute": 16}
